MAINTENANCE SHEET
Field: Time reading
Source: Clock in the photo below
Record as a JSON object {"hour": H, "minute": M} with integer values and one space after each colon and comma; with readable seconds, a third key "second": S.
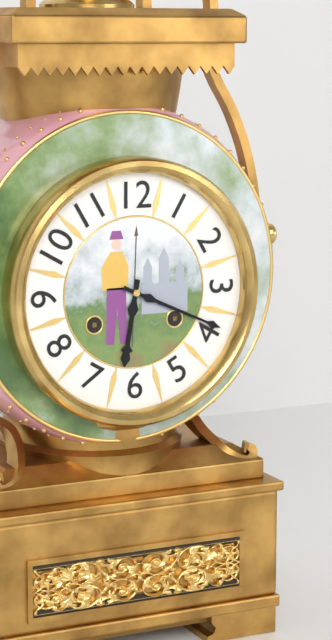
{"hour": 6, "minute": 19}
